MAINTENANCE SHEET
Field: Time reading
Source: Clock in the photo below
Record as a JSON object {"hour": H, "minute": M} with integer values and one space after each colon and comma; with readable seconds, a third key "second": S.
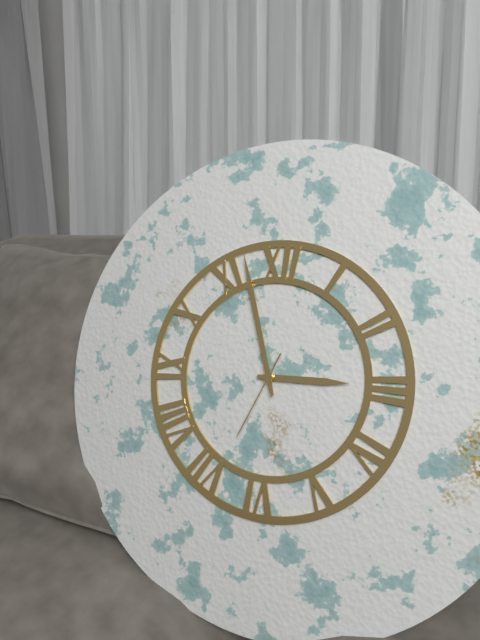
{"hour": 2, "minute": 57, "second": 34}
